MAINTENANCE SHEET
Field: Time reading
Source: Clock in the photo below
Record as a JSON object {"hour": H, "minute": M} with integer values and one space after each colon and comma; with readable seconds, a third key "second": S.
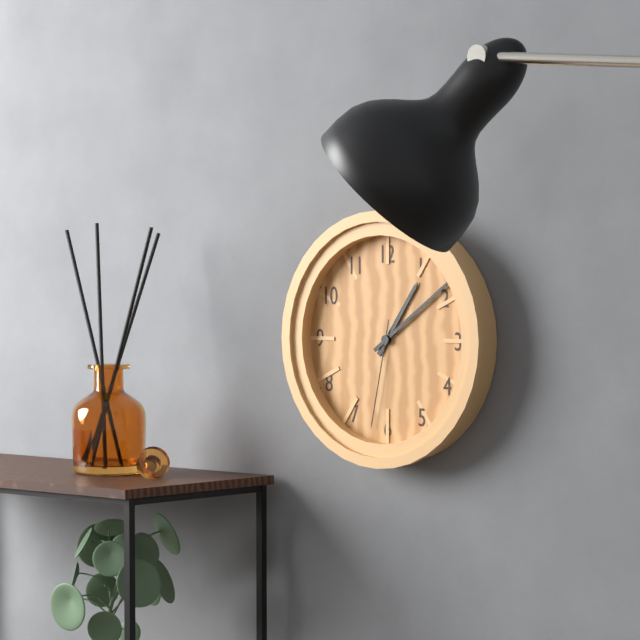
{"hour": 1, "minute": 9, "second": 32}
